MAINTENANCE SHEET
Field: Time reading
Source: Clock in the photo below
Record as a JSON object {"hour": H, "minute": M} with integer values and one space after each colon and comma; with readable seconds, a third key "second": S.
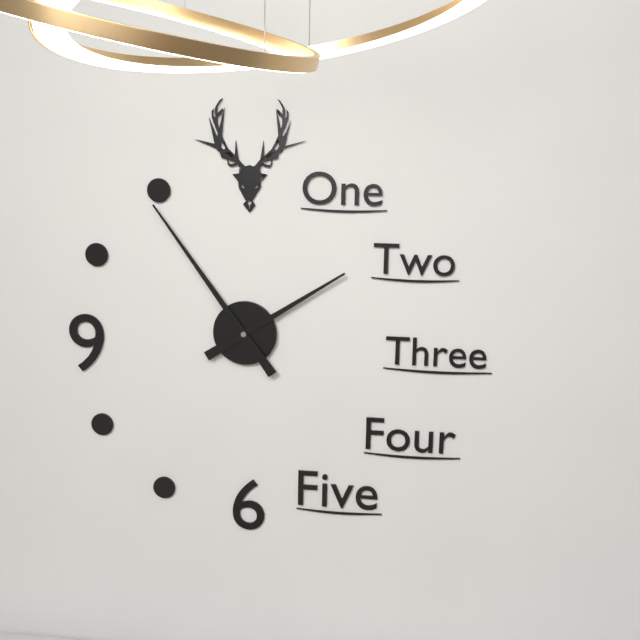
{"hour": 1, "minute": 54}
